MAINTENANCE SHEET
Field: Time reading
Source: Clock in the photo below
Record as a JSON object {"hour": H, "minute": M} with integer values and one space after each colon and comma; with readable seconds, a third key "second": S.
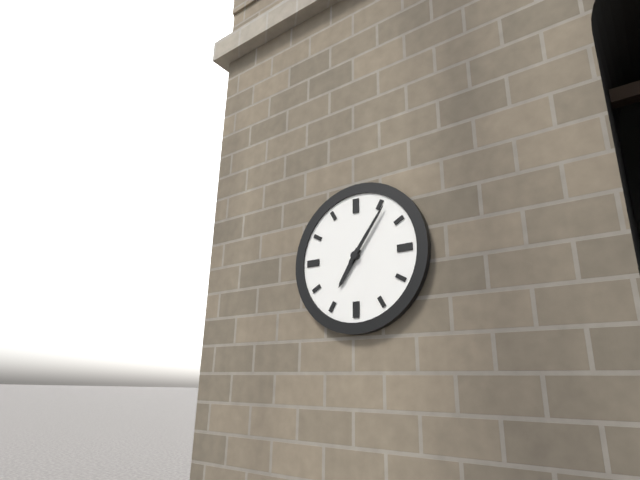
{"hour": 7, "minute": 6}
